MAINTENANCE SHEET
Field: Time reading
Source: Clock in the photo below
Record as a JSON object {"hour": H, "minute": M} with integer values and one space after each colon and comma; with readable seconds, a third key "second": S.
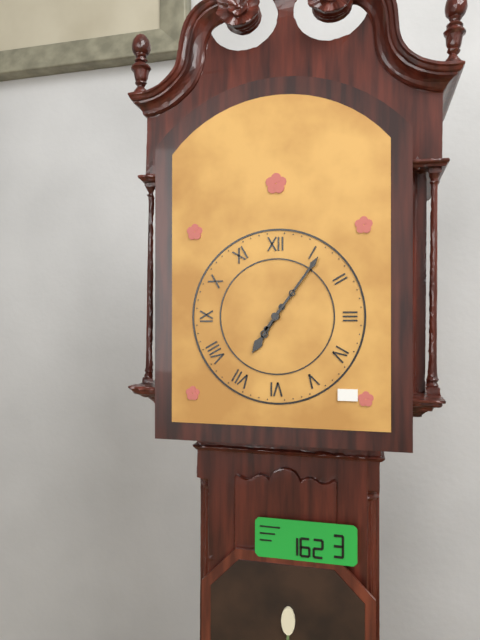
{"hour": 7, "minute": 6}
